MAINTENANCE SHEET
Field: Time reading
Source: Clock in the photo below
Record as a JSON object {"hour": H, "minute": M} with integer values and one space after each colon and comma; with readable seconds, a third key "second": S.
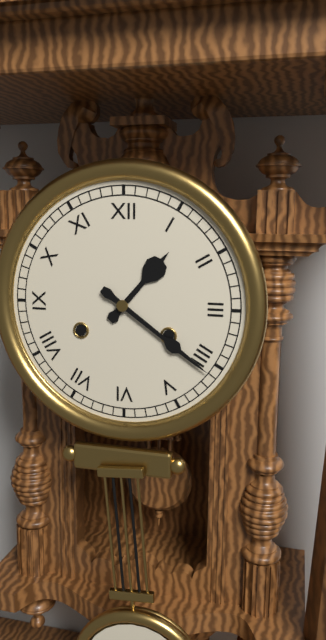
{"hour": 1, "minute": 21}
